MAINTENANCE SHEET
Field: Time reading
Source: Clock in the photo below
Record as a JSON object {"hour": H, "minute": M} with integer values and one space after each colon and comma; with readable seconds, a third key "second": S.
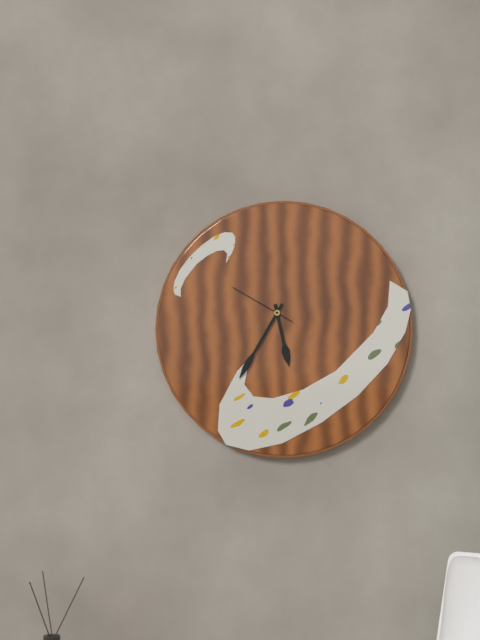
{"hour": 5, "minute": 35, "second": 50}
